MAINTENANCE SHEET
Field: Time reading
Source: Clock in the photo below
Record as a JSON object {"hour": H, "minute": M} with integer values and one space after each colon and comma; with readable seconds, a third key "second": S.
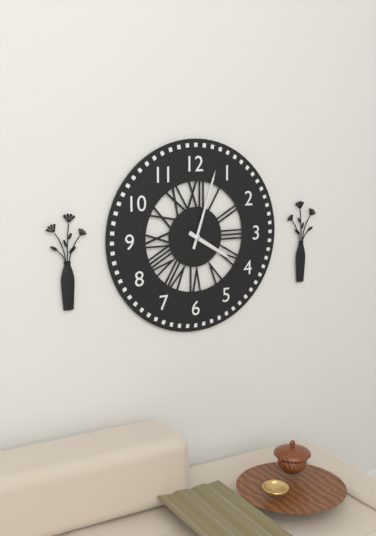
{"hour": 4, "minute": 3}
